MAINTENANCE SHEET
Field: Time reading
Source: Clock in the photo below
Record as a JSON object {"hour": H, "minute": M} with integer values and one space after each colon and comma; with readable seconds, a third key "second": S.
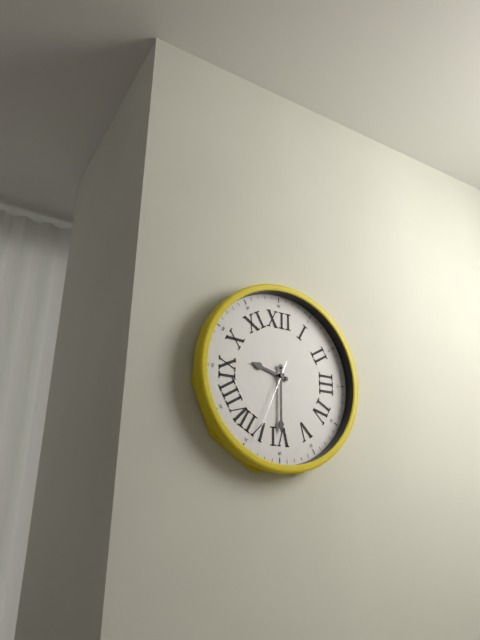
{"hour": 9, "minute": 30, "second": 34}
